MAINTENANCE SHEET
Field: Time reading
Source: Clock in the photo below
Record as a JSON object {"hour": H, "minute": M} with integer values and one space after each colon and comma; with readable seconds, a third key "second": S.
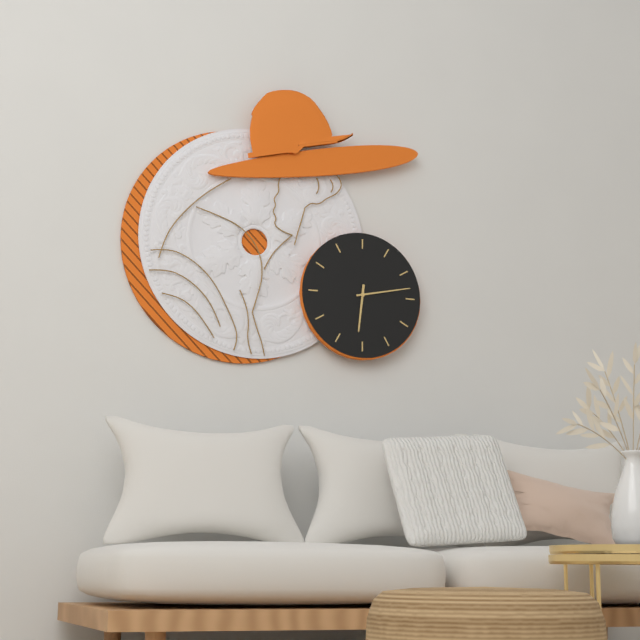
{"hour": 6, "minute": 13}
